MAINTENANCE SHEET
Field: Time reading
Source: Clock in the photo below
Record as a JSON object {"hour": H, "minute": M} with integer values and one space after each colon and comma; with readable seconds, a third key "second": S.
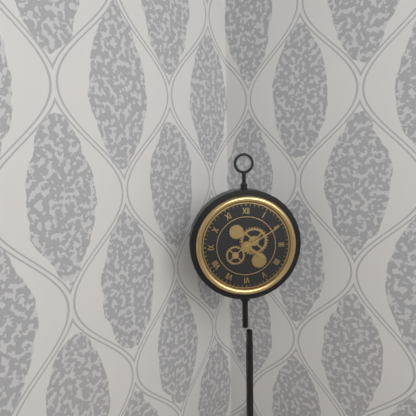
{"hour": 4, "minute": 10}
